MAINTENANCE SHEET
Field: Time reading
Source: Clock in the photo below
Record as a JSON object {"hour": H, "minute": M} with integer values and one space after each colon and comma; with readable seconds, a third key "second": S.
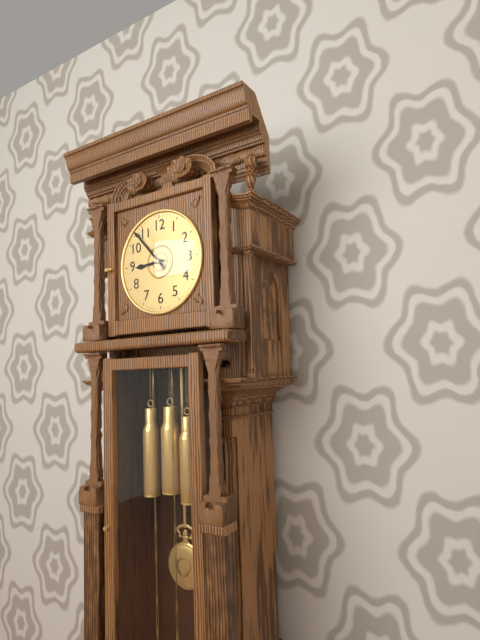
{"hour": 8, "minute": 53}
